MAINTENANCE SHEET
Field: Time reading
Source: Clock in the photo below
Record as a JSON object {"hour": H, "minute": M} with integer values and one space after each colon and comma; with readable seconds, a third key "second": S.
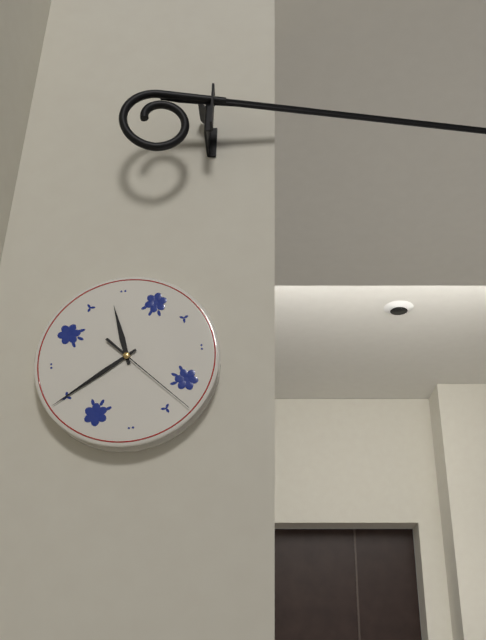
{"hour": 11, "minute": 40, "second": 23}
